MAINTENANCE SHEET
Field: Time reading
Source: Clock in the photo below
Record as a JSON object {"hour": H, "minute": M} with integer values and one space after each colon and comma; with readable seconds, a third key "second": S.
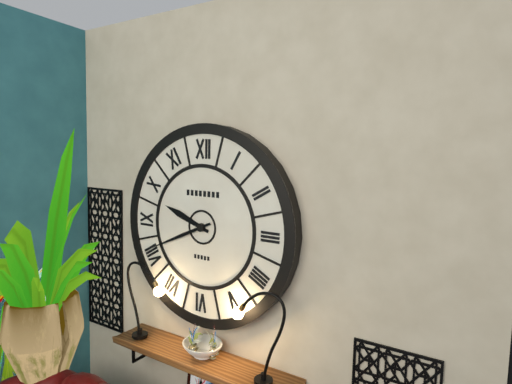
{"hour": 9, "minute": 41}
